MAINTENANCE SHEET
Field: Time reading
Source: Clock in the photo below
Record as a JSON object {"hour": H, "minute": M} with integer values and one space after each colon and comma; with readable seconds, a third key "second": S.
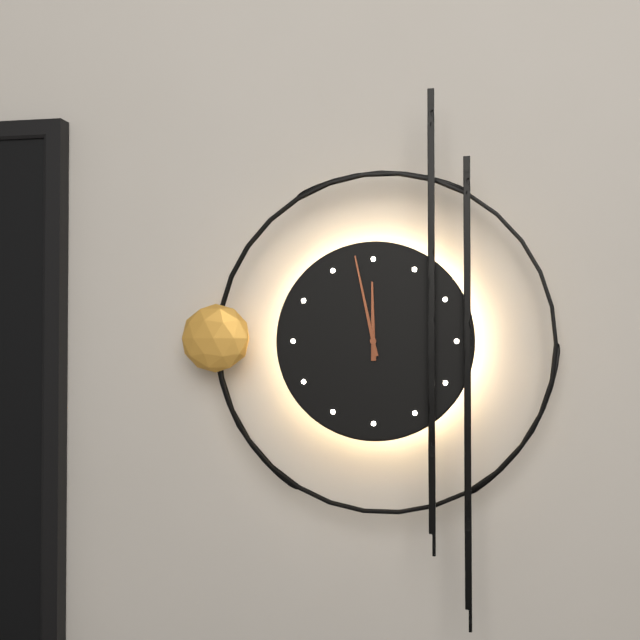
{"hour": 11, "minute": 58}
